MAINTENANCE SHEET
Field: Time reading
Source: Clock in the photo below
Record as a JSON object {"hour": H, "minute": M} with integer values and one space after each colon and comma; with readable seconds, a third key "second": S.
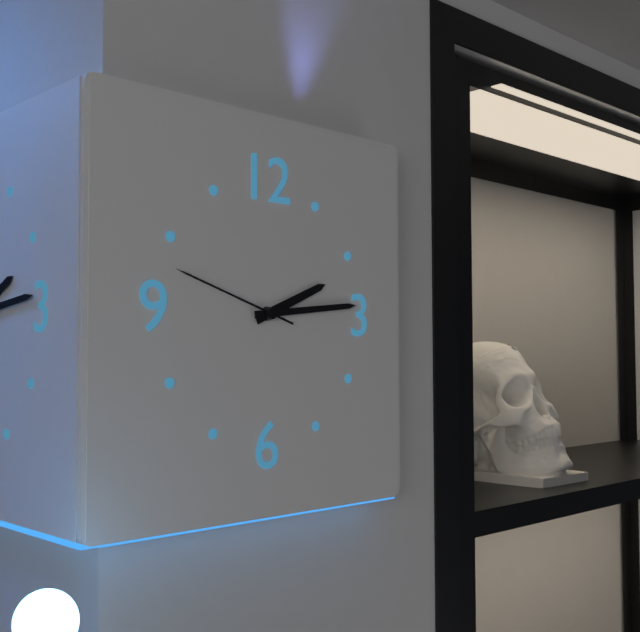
{"hour": 2, "minute": 14, "second": 48}
